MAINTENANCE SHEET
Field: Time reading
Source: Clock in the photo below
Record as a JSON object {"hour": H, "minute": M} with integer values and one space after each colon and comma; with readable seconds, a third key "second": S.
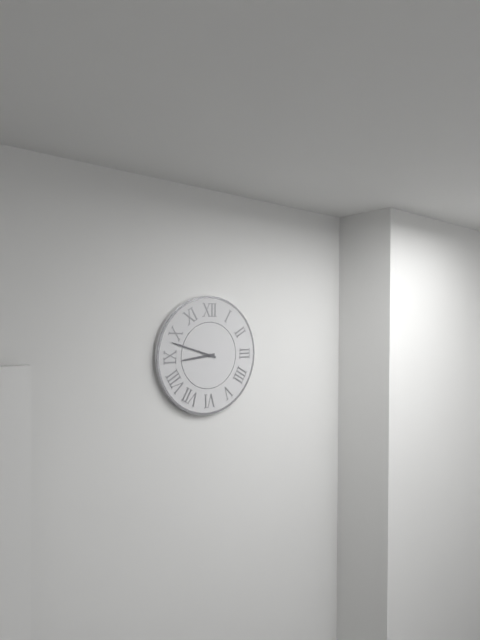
{"hour": 8, "minute": 48}
